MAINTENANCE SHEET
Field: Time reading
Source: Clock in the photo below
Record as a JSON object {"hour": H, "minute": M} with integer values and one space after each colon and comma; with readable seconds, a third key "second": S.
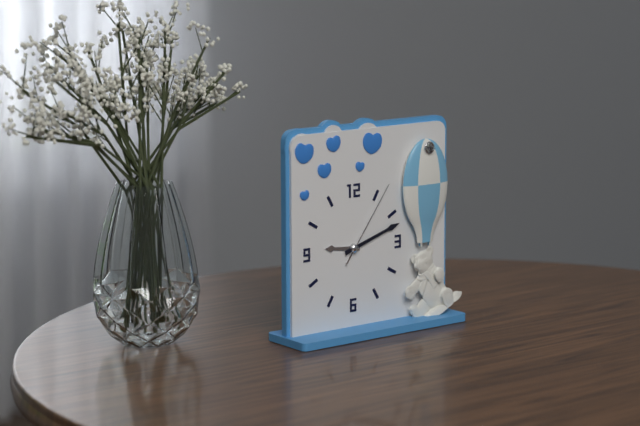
{"hour": 9, "minute": 12, "second": 6}
